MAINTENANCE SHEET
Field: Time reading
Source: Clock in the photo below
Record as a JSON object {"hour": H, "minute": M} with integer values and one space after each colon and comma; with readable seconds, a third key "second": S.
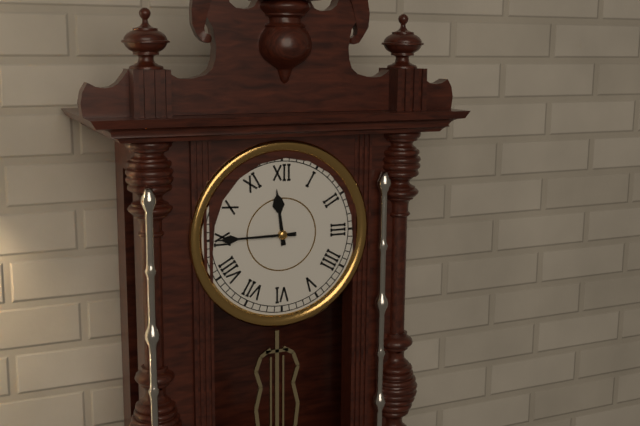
{"hour": 11, "minute": 45}
